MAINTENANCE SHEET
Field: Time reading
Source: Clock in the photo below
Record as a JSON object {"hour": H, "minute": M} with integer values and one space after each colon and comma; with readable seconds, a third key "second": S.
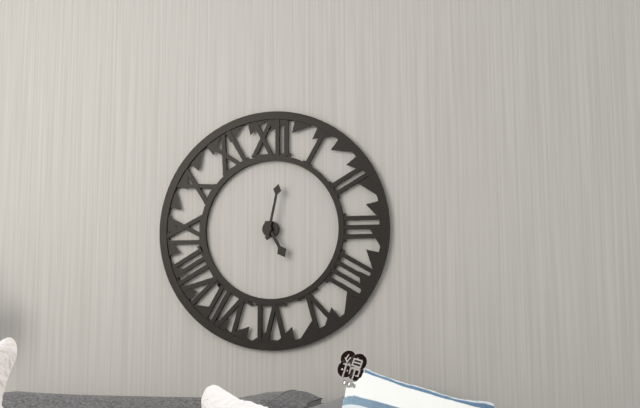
{"hour": 5, "minute": 2}
